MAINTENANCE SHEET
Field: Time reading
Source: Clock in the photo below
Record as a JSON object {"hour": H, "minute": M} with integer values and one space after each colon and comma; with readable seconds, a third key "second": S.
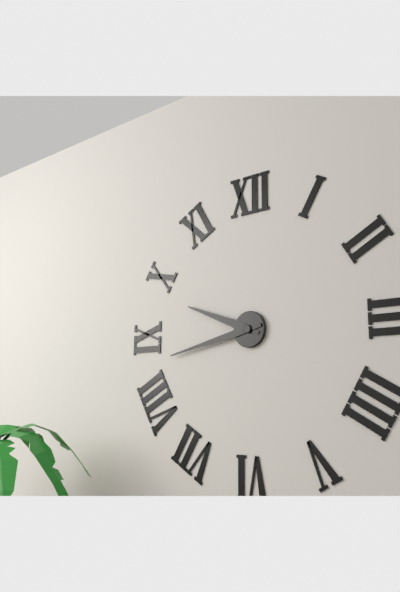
{"hour": 9, "minute": 43}
